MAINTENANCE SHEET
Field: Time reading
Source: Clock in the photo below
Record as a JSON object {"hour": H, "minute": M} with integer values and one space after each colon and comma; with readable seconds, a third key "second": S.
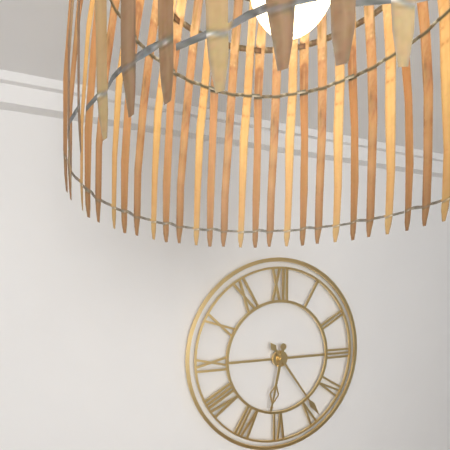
{"hour": 6, "minute": 24}
